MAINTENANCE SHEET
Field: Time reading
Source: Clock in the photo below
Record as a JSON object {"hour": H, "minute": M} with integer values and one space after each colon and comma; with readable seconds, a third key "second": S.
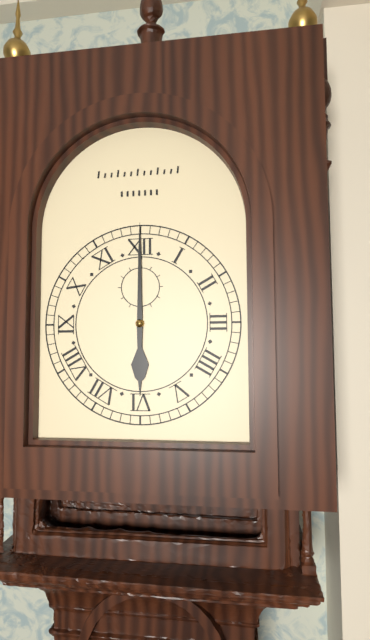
{"hour": 6, "minute": 0}
